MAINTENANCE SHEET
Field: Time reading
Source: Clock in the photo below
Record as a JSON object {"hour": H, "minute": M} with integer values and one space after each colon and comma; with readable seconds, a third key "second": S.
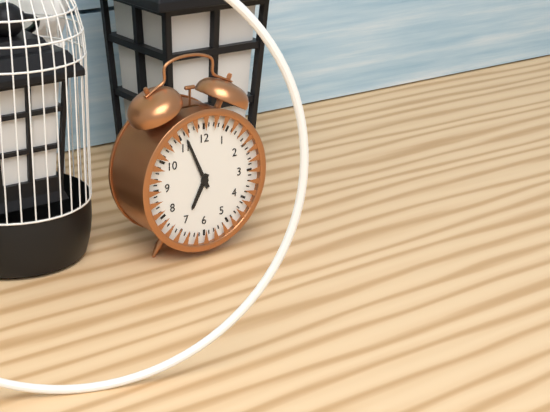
{"hour": 6, "minute": 56}
